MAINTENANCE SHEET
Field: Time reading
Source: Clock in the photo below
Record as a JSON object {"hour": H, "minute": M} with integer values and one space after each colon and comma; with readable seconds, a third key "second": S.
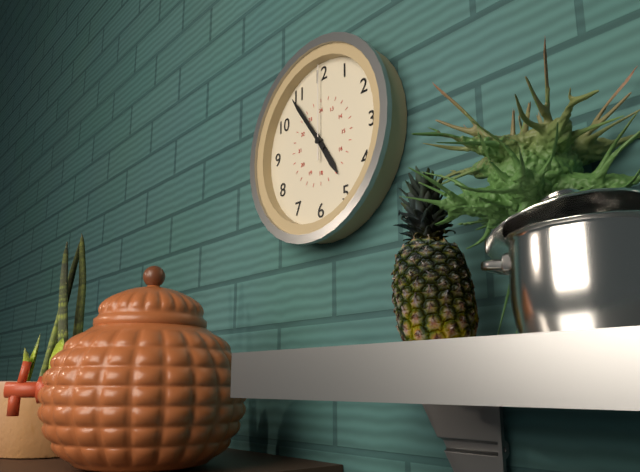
{"hour": 4, "minute": 54, "second": 0}
